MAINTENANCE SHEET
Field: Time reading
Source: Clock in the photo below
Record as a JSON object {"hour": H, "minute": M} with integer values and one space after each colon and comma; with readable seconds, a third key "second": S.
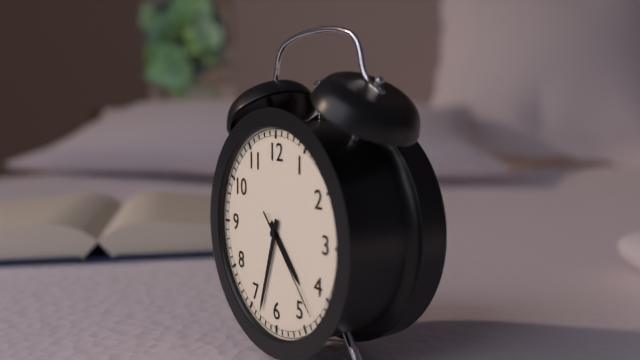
{"hour": 4, "minute": 33, "second": 23}
